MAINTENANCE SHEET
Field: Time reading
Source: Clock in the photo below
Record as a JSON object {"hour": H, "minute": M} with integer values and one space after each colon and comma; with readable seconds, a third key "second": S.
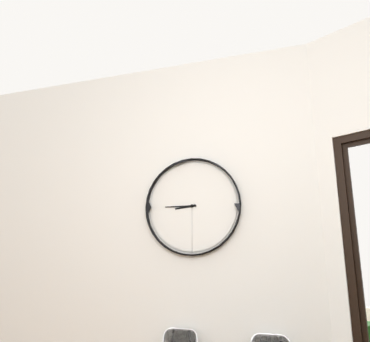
{"hour": 8, "minute": 45}
